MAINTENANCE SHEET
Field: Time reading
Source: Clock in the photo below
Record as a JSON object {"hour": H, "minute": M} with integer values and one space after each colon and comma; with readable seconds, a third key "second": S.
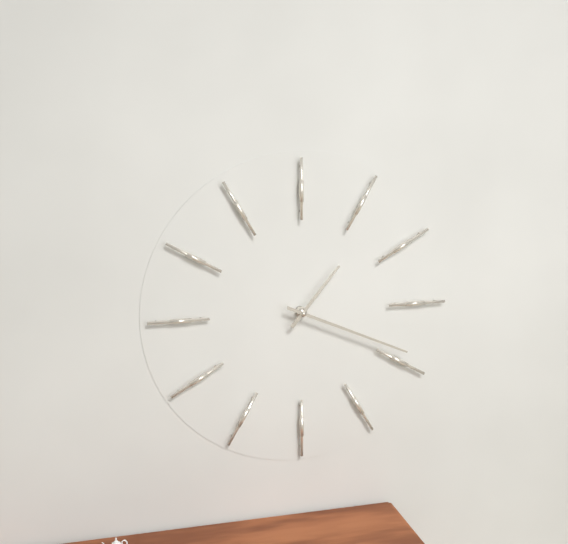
{"hour": 1, "minute": 19}
